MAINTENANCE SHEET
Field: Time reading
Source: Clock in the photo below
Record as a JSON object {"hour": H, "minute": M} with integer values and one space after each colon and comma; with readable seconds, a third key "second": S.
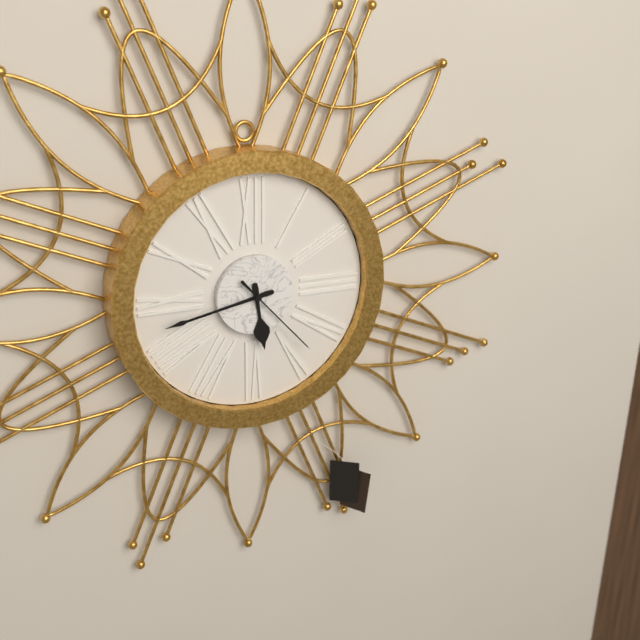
{"hour": 5, "minute": 43, "second": 23}
